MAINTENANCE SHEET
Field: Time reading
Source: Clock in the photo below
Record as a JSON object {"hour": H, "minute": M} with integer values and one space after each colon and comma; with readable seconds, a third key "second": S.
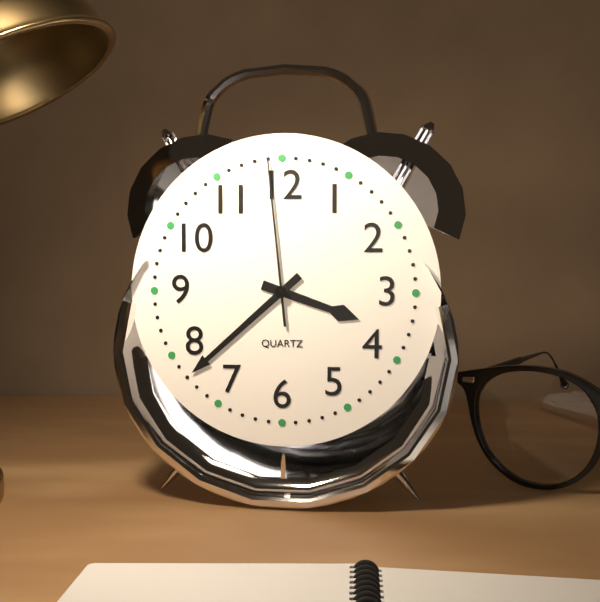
{"hour": 3, "minute": 38, "second": 59}
